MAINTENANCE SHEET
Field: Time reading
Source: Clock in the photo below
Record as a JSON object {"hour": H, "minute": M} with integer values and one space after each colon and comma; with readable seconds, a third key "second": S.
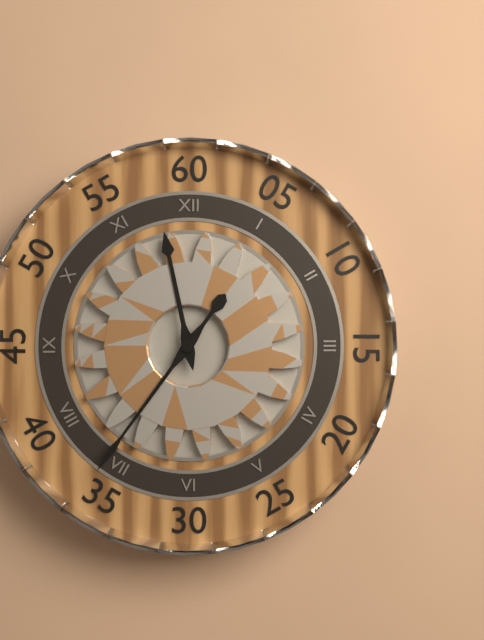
{"hour": 11, "minute": 36}
